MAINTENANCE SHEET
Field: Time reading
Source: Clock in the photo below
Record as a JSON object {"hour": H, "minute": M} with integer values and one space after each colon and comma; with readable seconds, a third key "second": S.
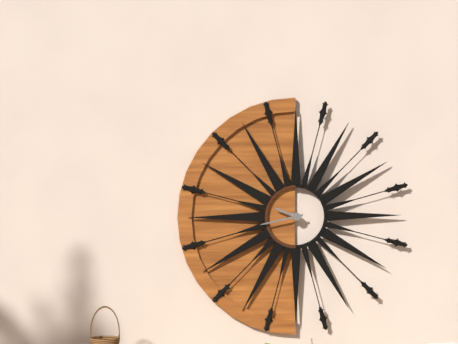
{"hour": 9, "minute": 43}
